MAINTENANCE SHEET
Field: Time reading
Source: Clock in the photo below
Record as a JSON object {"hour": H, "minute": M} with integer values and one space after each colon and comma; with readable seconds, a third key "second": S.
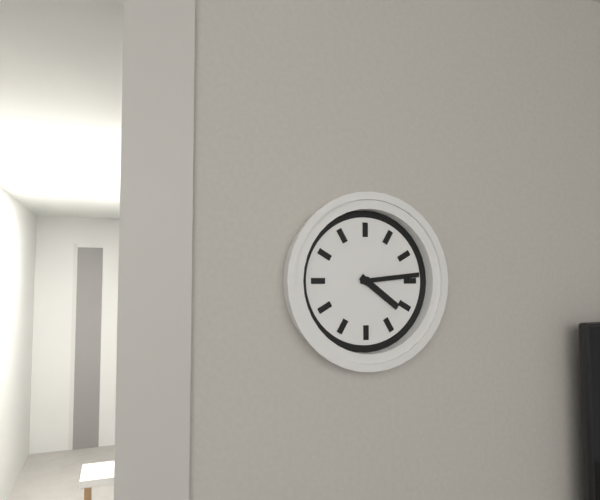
{"hour": 4, "minute": 14}
